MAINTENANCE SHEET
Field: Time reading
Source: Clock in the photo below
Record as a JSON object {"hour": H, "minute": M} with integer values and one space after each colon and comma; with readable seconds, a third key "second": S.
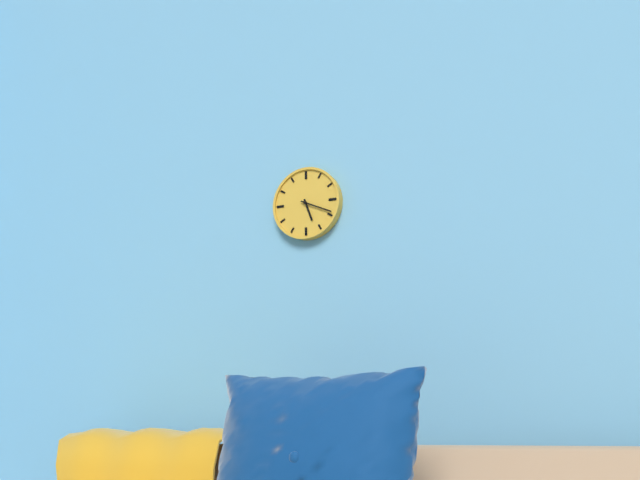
{"hour": 5, "minute": 19}
